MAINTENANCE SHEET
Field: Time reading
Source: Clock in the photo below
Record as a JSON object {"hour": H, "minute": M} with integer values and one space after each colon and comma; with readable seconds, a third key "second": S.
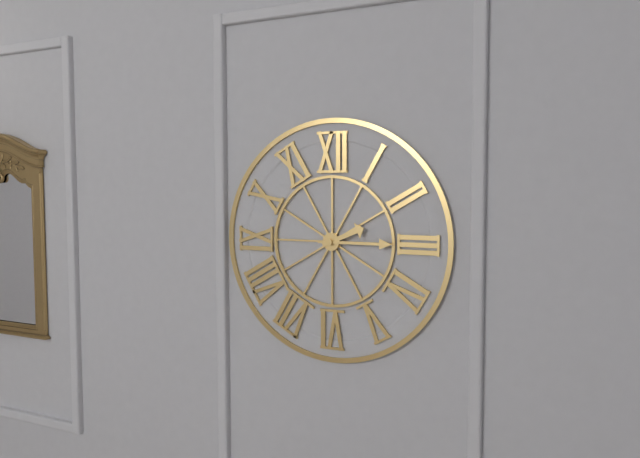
{"hour": 2, "minute": 15}
